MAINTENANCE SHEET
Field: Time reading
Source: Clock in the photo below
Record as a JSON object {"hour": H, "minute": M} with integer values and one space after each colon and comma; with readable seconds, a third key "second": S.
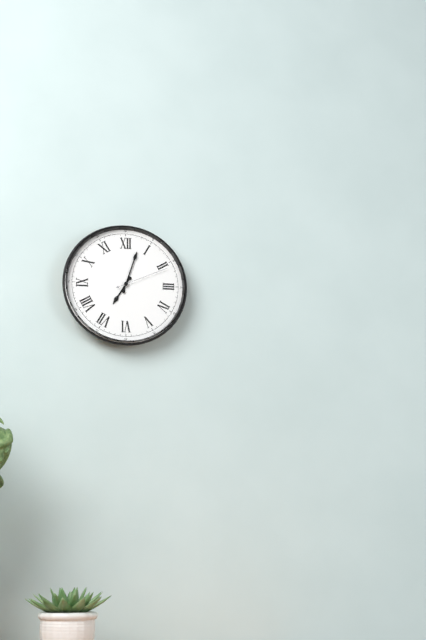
{"hour": 7, "minute": 3, "second": 11}
